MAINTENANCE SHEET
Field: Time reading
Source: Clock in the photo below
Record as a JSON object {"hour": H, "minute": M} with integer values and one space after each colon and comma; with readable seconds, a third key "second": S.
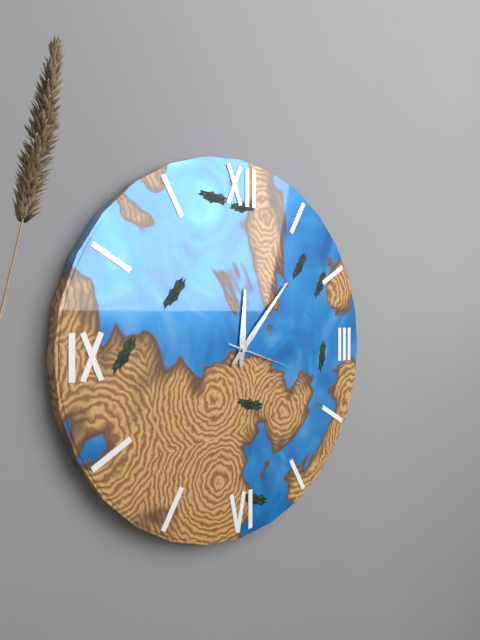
{"hour": 12, "minute": 7, "second": 18}
